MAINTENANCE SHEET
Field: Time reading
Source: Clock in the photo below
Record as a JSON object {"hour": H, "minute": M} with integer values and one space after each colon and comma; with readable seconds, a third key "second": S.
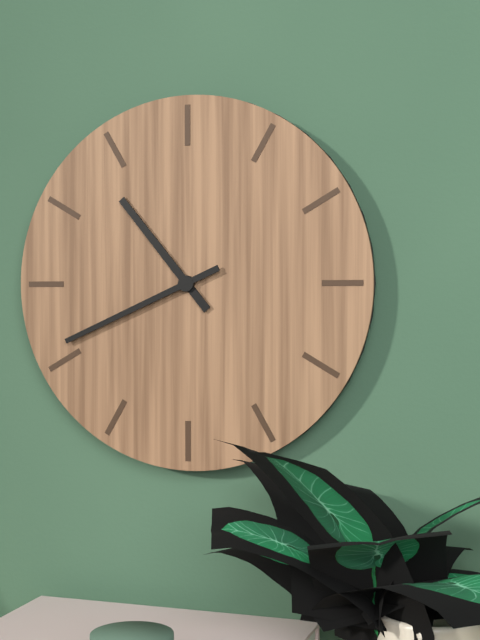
{"hour": 10, "minute": 41}
